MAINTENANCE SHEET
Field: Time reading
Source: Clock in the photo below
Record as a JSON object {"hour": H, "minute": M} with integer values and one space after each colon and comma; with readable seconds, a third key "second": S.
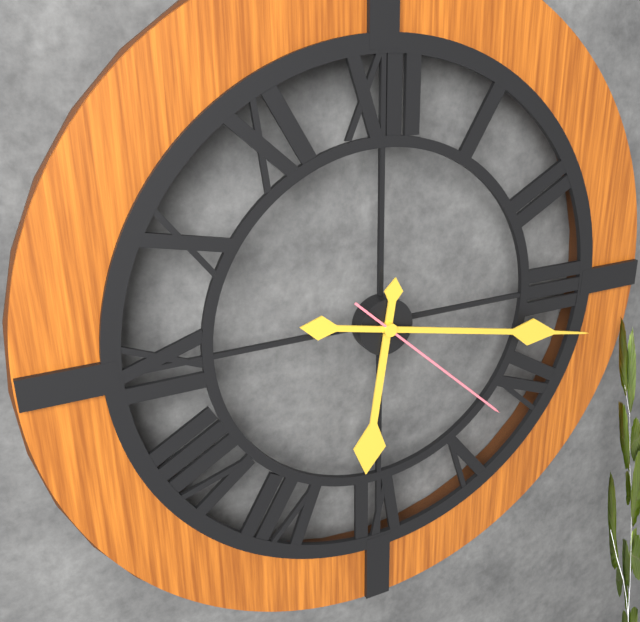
{"hour": 6, "minute": 17, "second": 22}
